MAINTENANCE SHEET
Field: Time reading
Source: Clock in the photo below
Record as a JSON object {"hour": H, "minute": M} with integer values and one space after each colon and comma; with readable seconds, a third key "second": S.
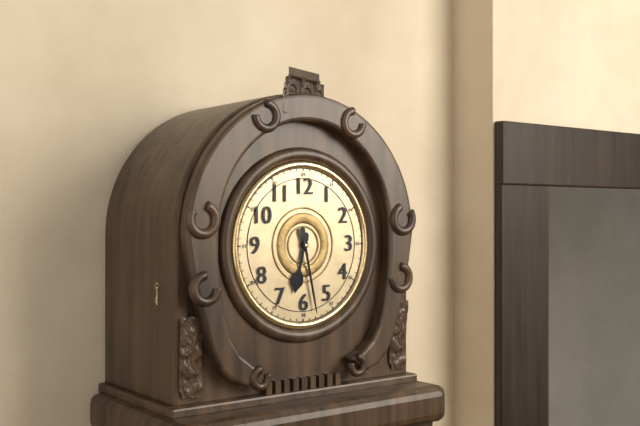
{"hour": 6, "minute": 28}
